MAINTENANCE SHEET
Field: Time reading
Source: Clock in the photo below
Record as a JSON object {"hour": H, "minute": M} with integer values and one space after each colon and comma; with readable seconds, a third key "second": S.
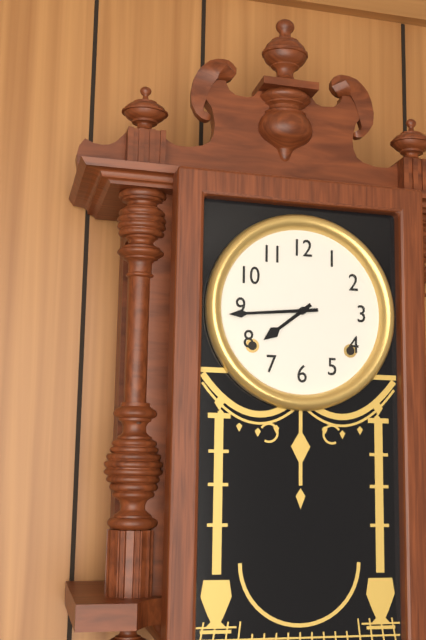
{"hour": 7, "minute": 44}
